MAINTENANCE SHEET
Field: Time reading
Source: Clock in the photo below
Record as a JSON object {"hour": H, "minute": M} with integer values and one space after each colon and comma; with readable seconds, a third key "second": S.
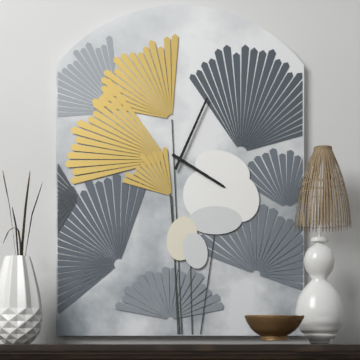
{"hour": 4, "minute": 4}
